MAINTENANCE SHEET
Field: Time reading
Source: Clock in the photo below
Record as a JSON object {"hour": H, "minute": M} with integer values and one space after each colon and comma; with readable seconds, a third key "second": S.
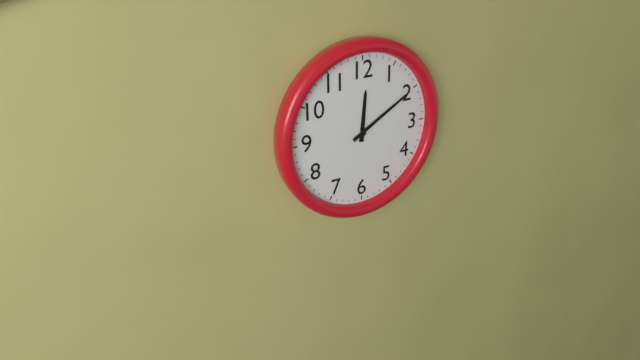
{"hour": 12, "minute": 10}
